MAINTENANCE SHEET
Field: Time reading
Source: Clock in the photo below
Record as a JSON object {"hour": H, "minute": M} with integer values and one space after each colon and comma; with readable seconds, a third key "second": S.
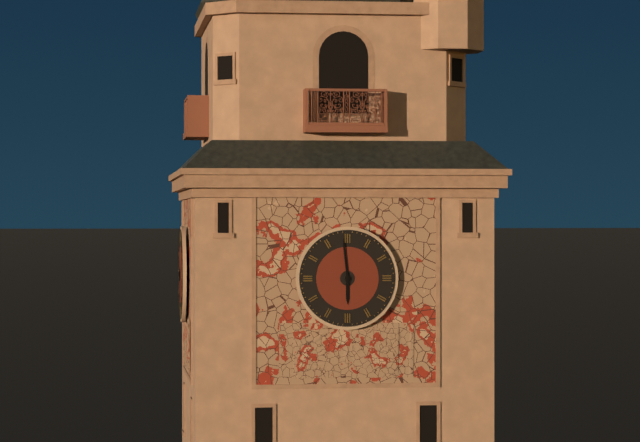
{"hour": 5, "minute": 59}
